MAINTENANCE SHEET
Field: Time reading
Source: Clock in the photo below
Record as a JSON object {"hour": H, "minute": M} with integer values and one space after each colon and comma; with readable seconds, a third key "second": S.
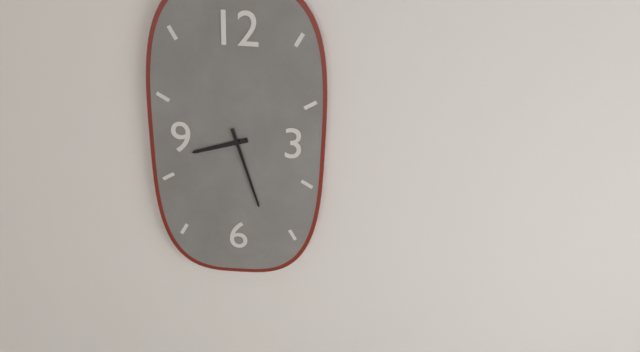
{"hour": 8, "minute": 27}
